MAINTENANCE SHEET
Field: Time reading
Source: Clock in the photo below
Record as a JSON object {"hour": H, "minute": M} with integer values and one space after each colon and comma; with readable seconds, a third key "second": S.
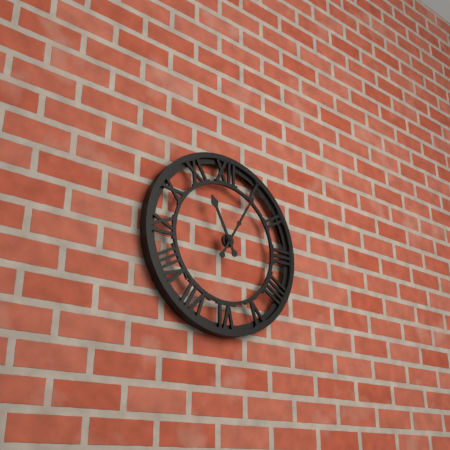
{"hour": 11, "minute": 5}
